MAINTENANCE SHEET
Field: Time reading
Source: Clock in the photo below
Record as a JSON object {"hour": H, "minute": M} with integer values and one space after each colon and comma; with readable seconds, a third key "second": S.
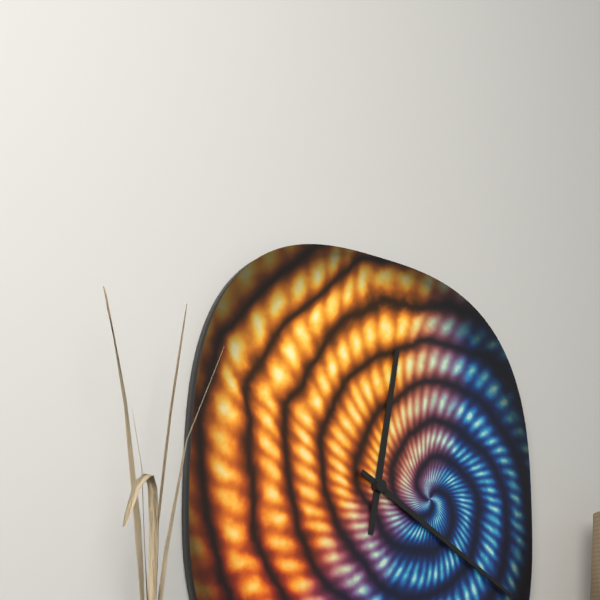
{"hour": 12, "minute": 20}
